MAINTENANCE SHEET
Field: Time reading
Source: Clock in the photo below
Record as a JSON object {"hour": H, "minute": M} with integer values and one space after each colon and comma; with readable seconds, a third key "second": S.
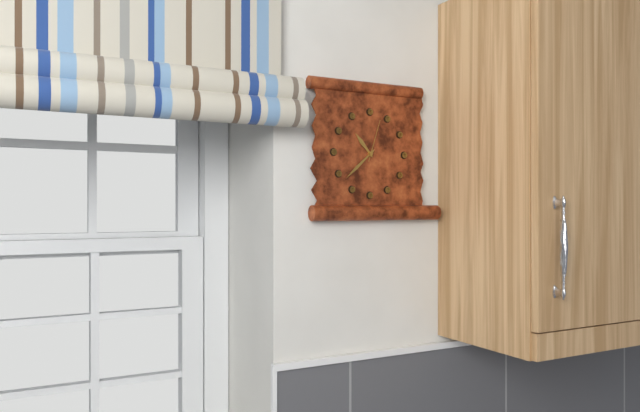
{"hour": 10, "minute": 38}
